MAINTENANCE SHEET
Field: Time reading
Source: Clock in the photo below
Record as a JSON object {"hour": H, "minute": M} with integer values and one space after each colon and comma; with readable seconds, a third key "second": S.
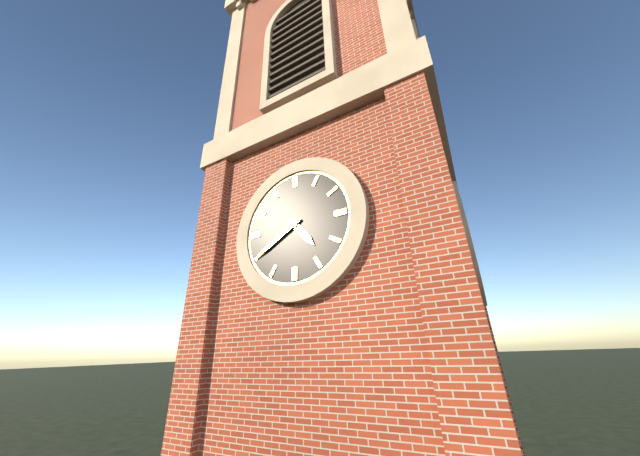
{"hour": 4, "minute": 40}
